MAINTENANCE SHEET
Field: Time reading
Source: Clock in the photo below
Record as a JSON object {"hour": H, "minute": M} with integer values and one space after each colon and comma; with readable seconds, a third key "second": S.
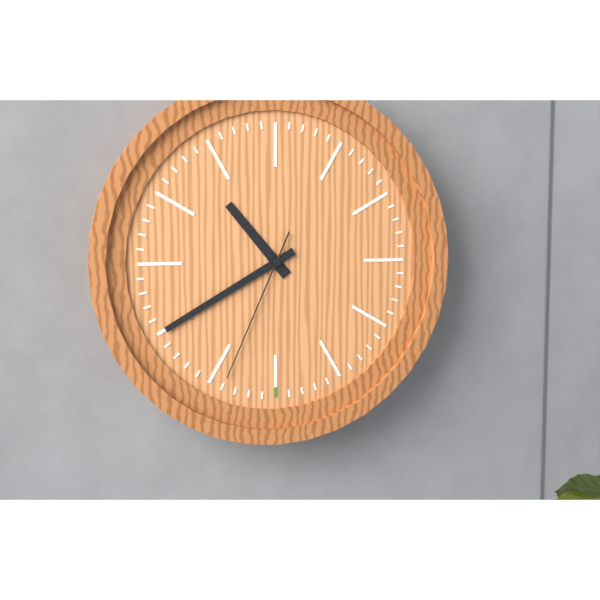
{"hour": 10, "minute": 40, "second": 34}
